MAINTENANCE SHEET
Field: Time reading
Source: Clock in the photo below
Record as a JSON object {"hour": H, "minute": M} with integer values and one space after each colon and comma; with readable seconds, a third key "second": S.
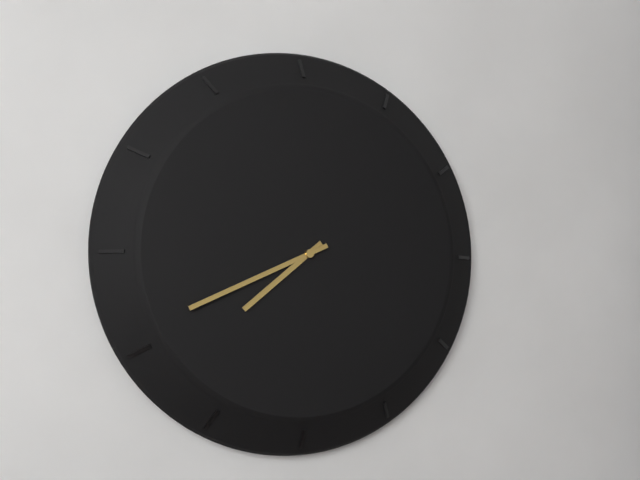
{"hour": 7, "minute": 41}
